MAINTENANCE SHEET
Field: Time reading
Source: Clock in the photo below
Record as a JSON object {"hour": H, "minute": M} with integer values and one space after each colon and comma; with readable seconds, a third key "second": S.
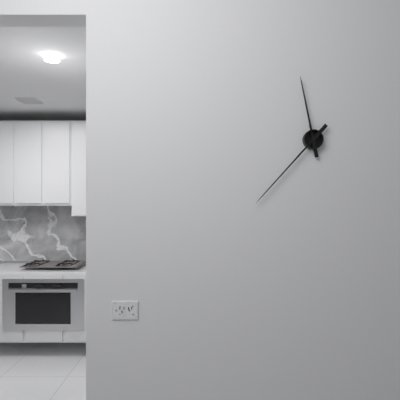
{"hour": 11, "minute": 37}
